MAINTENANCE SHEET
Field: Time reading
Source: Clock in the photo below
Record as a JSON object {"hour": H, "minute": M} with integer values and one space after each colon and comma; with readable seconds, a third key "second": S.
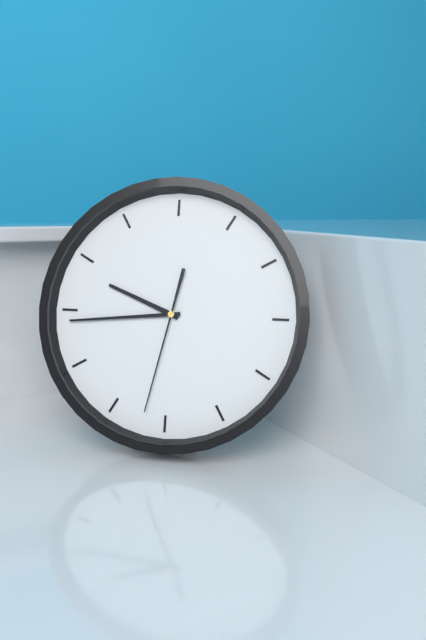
{"hour": 9, "minute": 44, "second": 32}
